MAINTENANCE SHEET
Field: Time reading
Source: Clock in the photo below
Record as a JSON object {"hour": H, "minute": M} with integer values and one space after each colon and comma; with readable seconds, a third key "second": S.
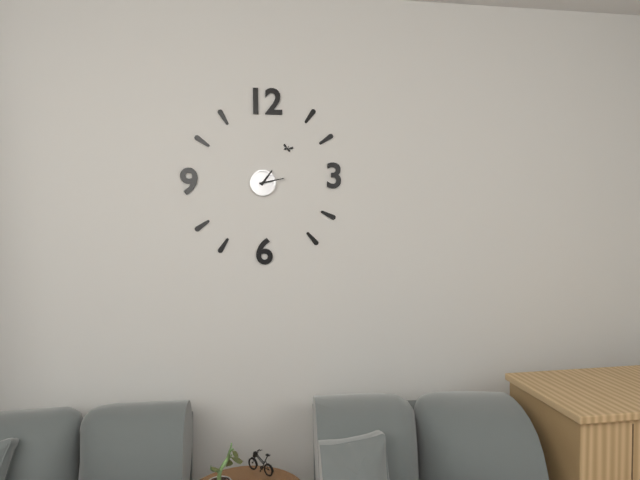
{"hour": 1, "minute": 13}
